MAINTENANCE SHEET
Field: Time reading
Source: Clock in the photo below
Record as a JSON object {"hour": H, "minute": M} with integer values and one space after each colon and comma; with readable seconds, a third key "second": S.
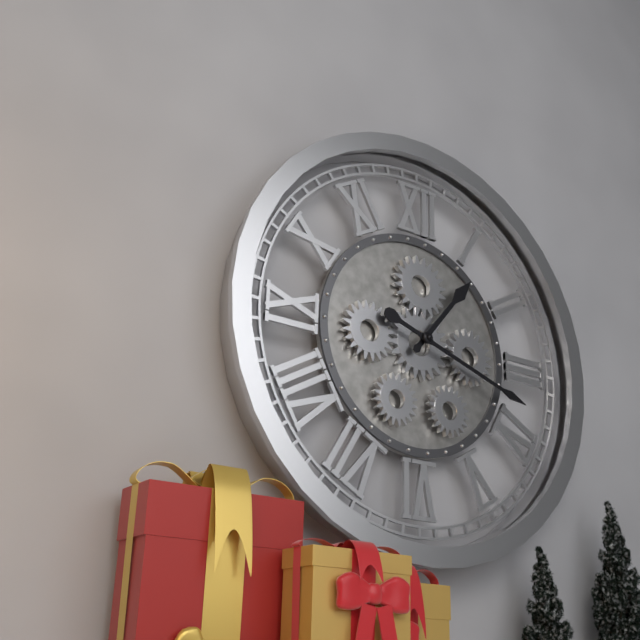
{"hour": 1, "minute": 18}
